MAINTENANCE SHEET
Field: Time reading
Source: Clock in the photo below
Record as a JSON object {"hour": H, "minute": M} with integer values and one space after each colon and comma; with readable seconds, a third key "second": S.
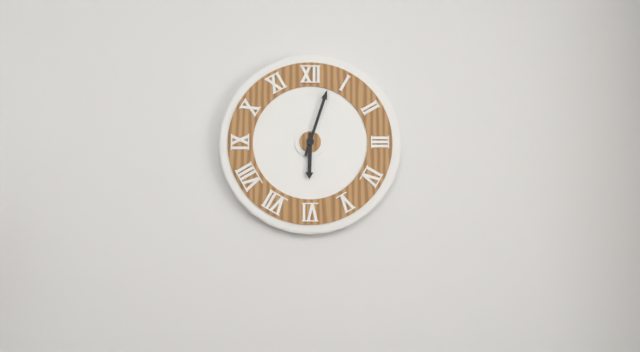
{"hour": 6, "minute": 3}
